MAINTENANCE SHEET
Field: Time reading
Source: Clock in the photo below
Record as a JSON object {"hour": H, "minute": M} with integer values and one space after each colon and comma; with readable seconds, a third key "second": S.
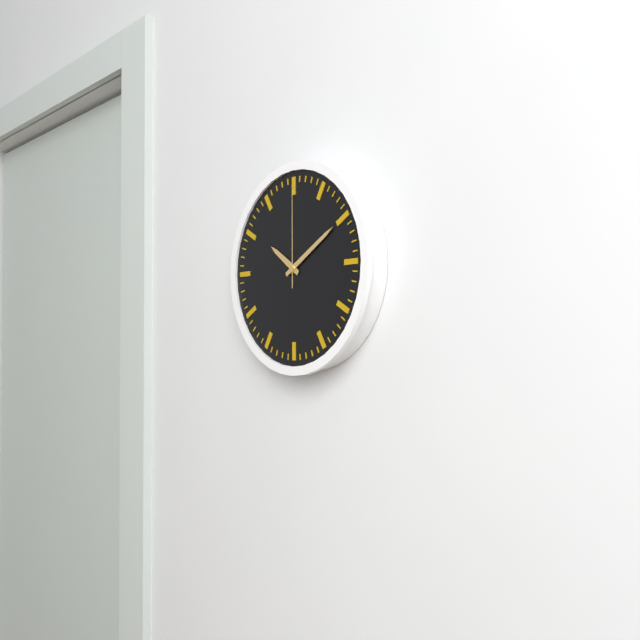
{"hour": 10, "minute": 10, "second": 0}
